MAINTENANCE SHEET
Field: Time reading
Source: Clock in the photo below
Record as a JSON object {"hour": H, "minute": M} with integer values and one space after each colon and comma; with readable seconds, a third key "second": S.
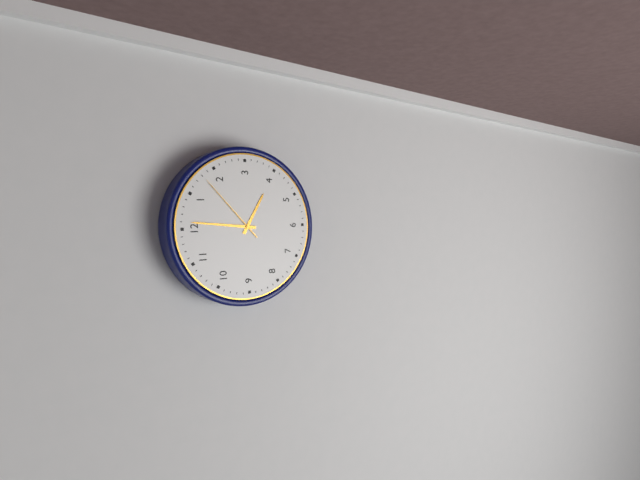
{"hour": 4, "minute": 1, "second": 8}
